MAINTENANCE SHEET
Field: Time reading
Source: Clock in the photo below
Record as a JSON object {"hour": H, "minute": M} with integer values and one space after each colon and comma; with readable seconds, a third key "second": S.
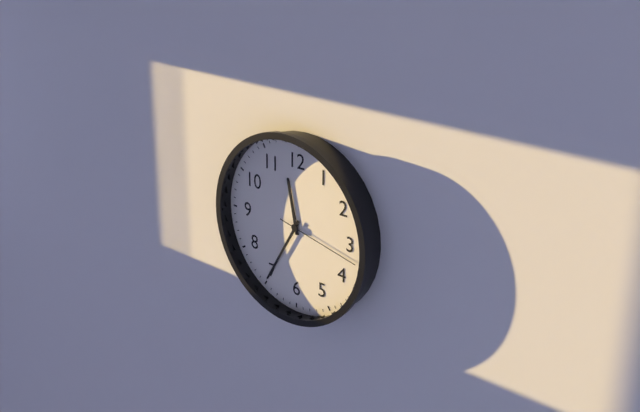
{"hour": 11, "minute": 35, "second": 17}
